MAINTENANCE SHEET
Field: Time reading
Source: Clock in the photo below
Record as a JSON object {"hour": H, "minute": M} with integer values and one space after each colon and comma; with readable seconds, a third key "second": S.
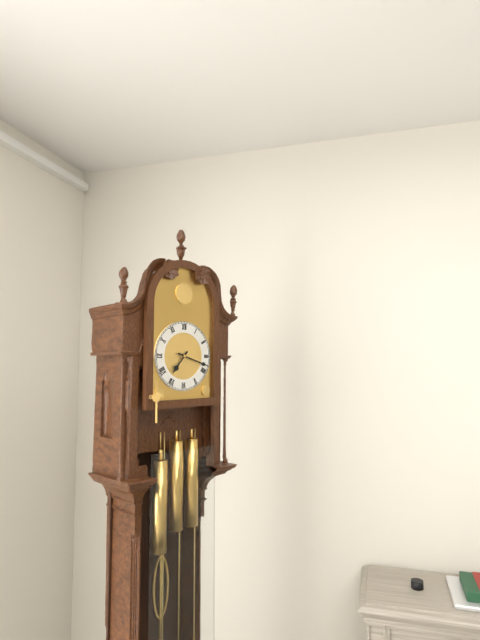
{"hour": 7, "minute": 18}
